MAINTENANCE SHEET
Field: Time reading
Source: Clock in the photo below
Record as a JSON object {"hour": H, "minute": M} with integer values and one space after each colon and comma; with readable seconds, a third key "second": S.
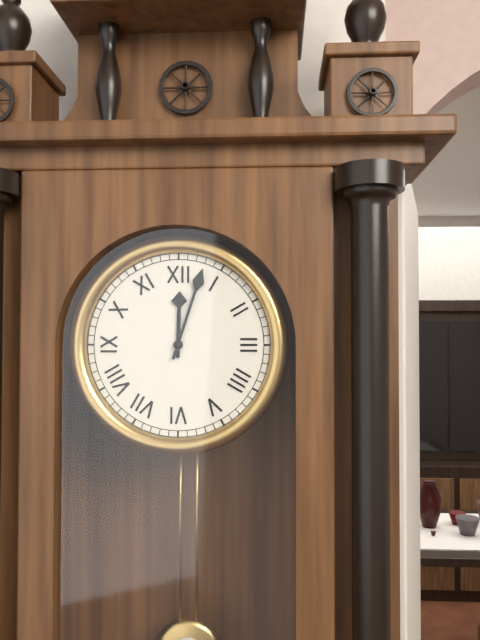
{"hour": 12, "minute": 3}
